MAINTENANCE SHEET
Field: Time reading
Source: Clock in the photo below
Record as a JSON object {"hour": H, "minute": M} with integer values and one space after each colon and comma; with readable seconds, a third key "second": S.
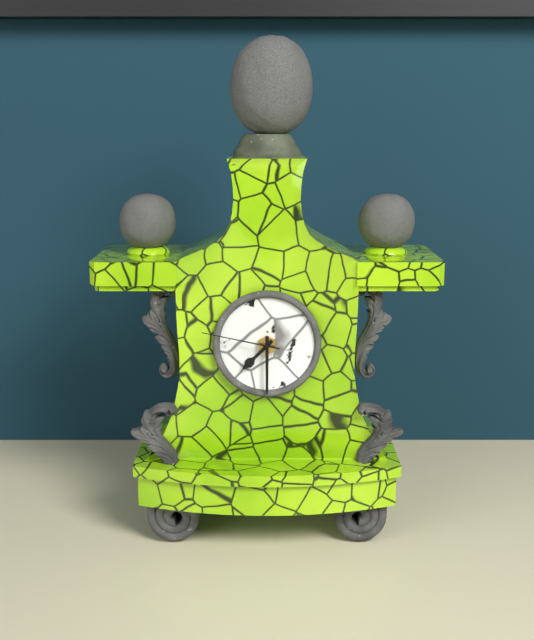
{"hour": 7, "minute": 30, "second": 47}
